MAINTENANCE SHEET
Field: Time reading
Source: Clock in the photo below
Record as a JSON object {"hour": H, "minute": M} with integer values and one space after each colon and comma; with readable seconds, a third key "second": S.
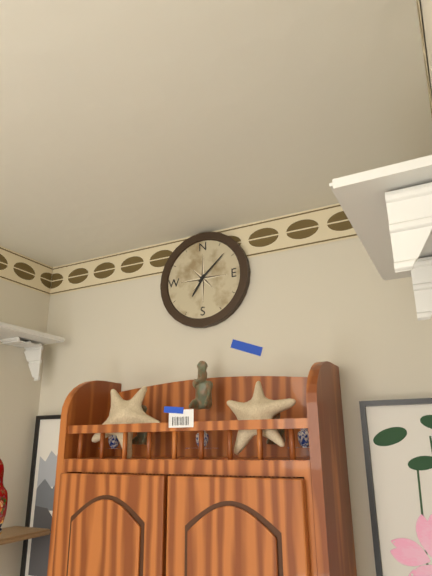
{"hour": 7, "minute": 8}
